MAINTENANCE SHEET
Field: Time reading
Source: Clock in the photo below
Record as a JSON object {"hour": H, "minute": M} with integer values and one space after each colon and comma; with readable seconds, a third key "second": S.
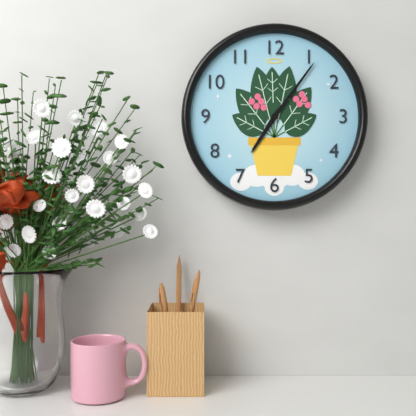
{"hour": 7, "minute": 6}
